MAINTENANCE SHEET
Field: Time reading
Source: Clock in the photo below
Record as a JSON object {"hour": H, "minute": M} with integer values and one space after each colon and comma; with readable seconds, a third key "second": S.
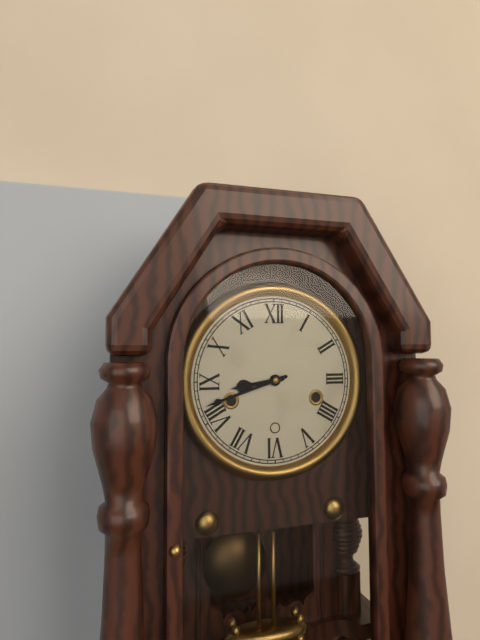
{"hour": 8, "minute": 42}
